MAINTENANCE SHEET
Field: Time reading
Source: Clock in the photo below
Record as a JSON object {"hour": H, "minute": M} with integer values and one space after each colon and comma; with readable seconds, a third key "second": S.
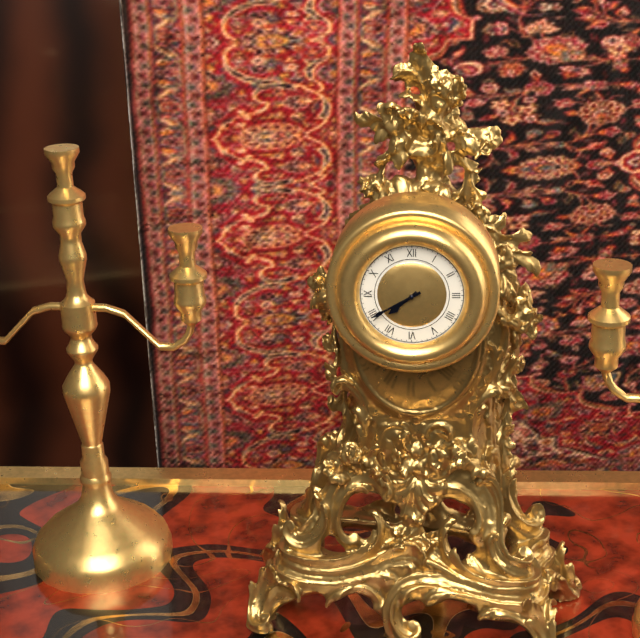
{"hour": 7, "minute": 40}
